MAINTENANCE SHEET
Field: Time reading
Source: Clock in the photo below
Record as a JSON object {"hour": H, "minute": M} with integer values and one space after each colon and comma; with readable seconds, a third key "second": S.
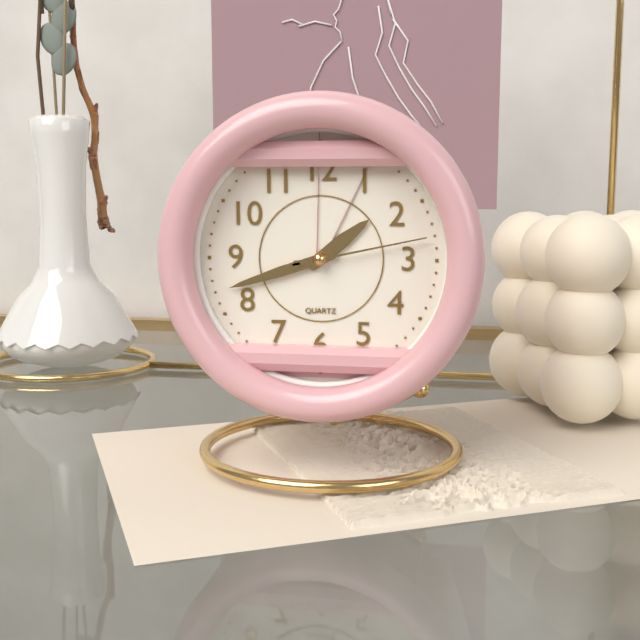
{"hour": 1, "minute": 42, "second": 13}
